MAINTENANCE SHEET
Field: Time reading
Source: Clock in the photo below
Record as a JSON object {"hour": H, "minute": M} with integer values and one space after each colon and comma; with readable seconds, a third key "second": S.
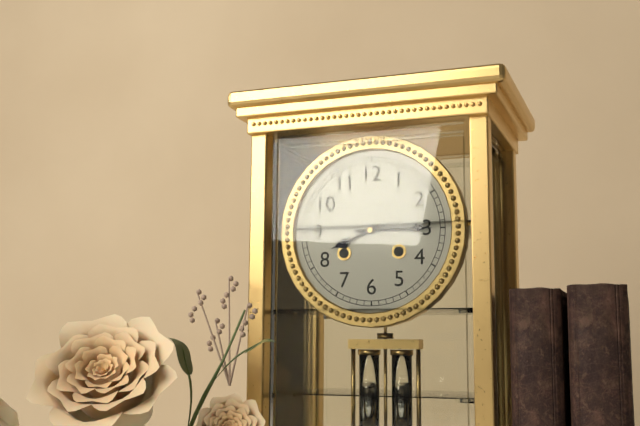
{"hour": 8, "minute": 15}
